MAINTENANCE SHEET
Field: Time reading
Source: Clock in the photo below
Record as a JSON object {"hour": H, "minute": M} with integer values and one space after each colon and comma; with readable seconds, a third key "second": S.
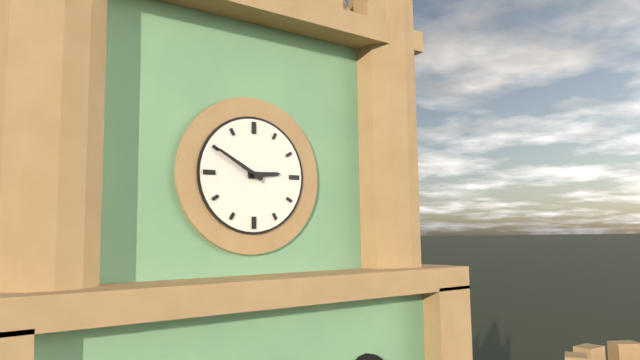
{"hour": 2, "minute": 50}
